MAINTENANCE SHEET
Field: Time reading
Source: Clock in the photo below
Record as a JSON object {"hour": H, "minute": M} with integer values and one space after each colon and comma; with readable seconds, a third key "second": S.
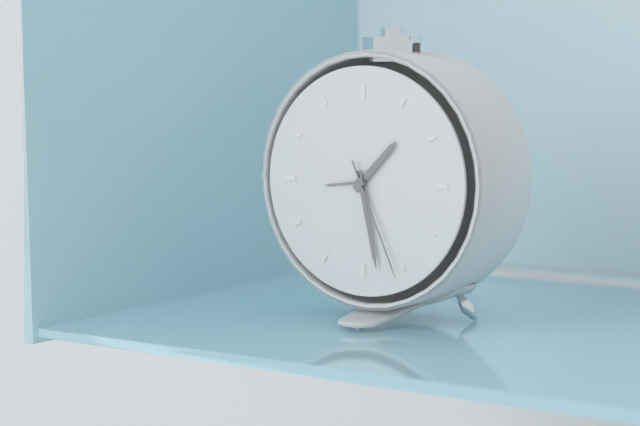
{"hour": 1, "minute": 28, "second": 26}
